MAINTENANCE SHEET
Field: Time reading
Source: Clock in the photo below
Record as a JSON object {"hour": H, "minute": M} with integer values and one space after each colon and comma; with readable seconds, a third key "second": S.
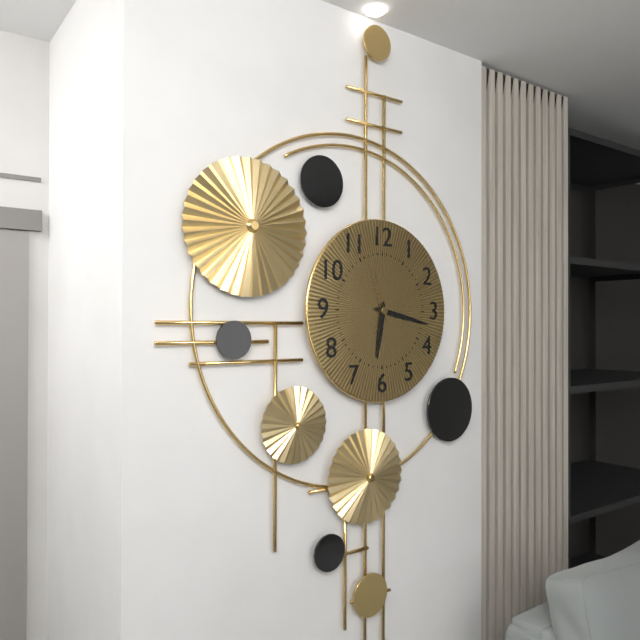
{"hour": 6, "minute": 17, "second": 57}
